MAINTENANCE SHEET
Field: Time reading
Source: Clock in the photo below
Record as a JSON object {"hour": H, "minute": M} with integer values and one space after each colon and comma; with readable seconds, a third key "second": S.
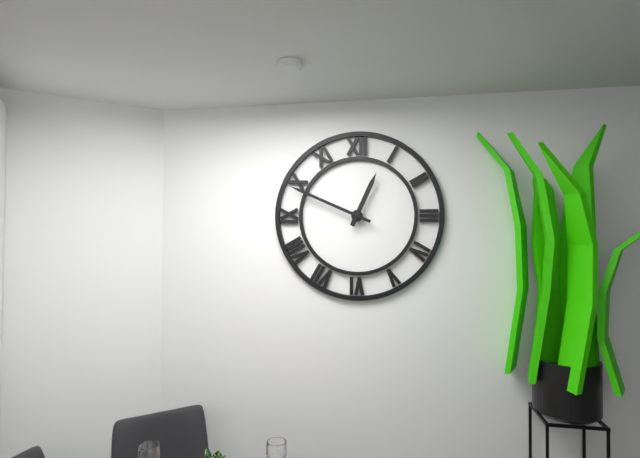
{"hour": 12, "minute": 49}
